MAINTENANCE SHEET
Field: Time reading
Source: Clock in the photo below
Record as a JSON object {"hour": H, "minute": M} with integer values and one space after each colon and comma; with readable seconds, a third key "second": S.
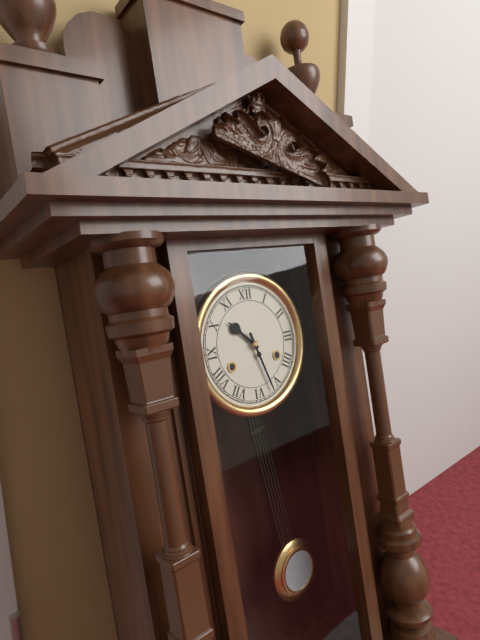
{"hour": 10, "minute": 27}
